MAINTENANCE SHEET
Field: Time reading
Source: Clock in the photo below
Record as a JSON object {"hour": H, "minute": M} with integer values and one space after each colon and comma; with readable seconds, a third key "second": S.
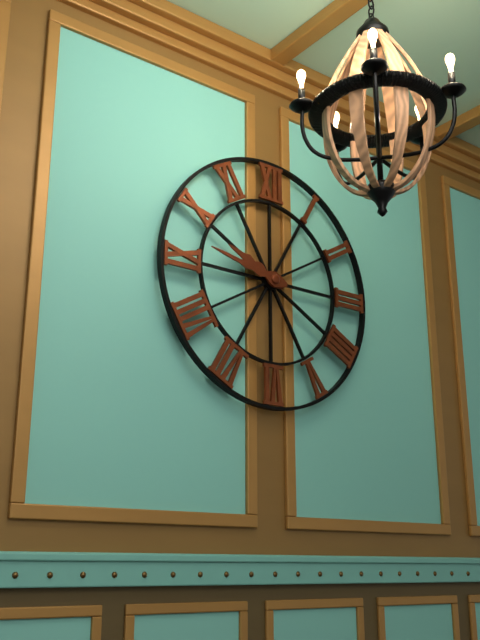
{"hour": 9, "minute": 47}
